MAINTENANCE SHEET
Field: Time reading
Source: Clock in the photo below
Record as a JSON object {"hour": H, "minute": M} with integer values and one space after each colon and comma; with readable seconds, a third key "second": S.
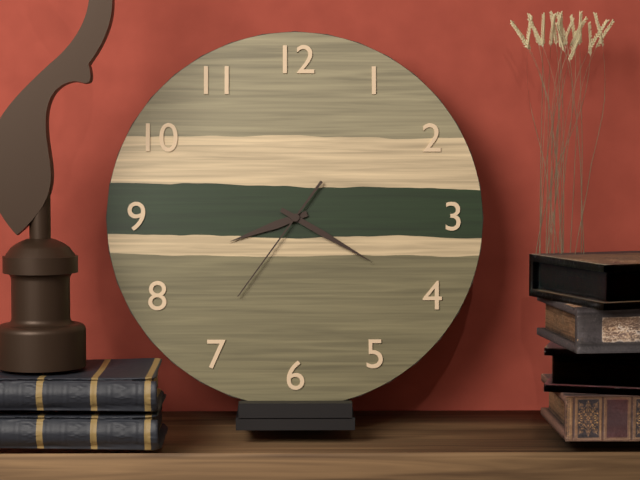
{"hour": 8, "minute": 20, "second": 36}
